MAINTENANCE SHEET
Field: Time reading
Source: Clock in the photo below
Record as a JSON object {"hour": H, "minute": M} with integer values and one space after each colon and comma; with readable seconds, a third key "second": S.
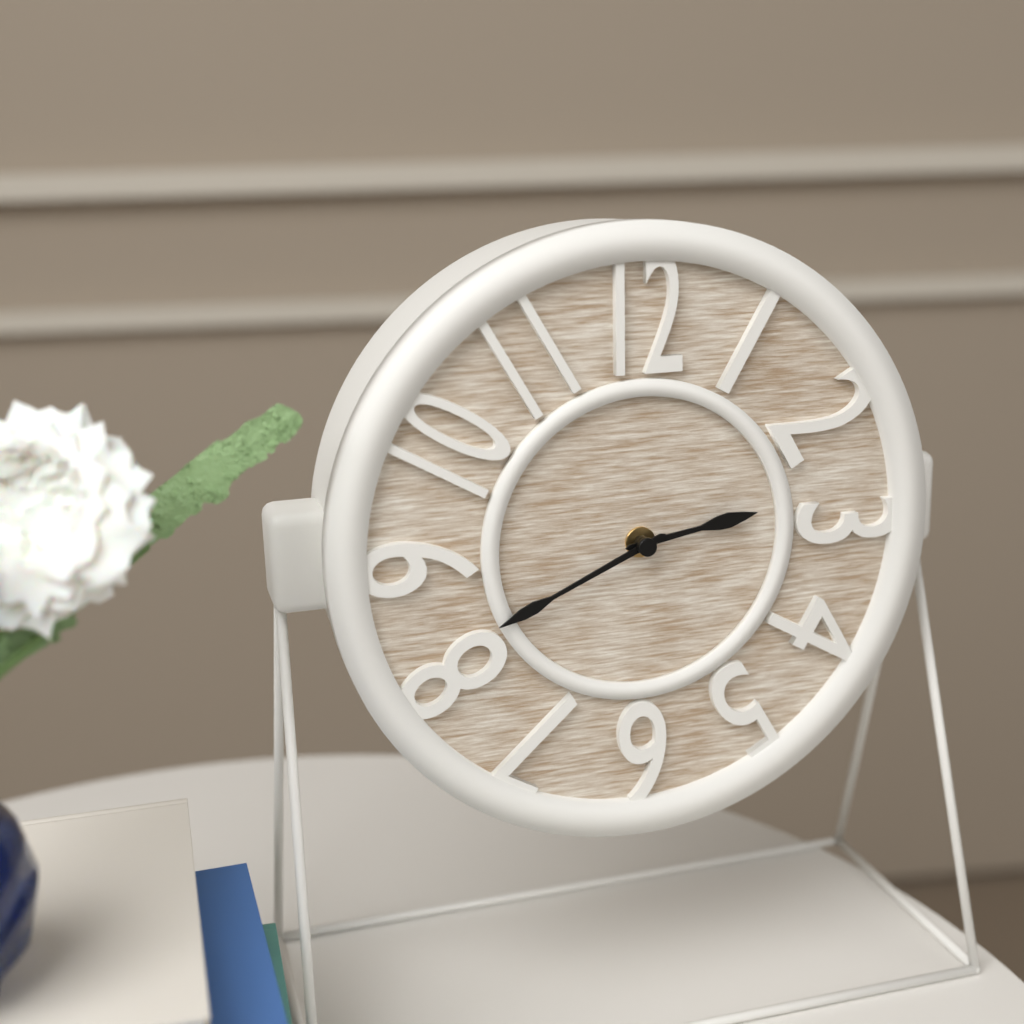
{"hour": 2, "minute": 41}
